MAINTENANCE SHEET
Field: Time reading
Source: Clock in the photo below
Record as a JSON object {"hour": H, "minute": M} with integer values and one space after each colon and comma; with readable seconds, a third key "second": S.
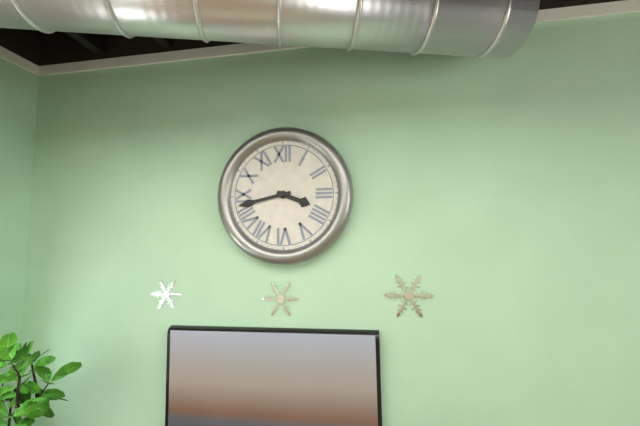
{"hour": 3, "minute": 43}
